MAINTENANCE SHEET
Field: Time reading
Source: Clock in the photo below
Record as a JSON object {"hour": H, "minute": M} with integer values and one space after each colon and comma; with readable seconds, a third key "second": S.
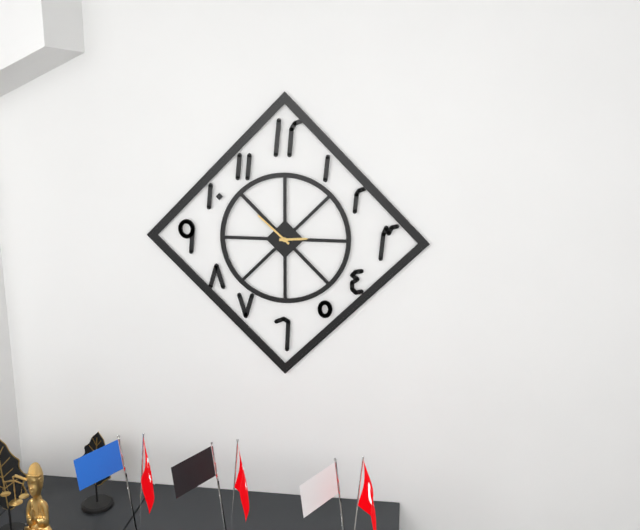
{"hour": 2, "minute": 52}
